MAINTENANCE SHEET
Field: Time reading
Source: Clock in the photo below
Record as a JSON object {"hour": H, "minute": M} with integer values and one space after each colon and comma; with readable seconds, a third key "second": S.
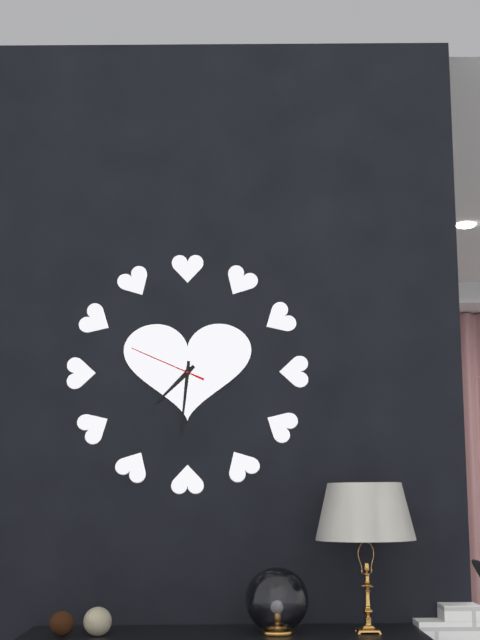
{"hour": 7, "minute": 31, "second": 49}
